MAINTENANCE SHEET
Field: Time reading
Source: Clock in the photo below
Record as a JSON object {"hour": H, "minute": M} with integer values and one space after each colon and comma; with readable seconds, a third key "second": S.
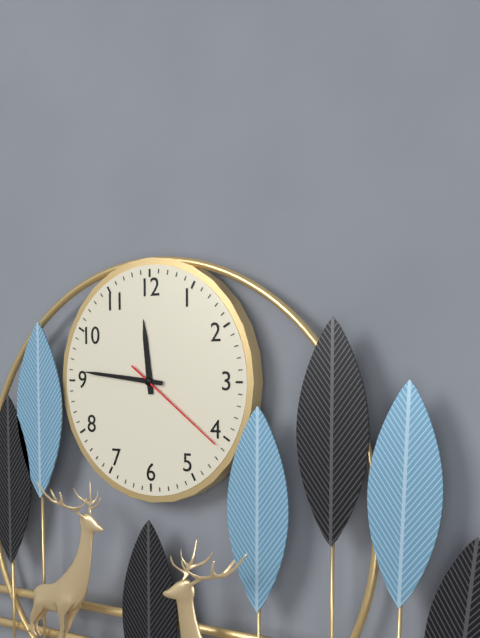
{"hour": 11, "minute": 46, "second": 21}
